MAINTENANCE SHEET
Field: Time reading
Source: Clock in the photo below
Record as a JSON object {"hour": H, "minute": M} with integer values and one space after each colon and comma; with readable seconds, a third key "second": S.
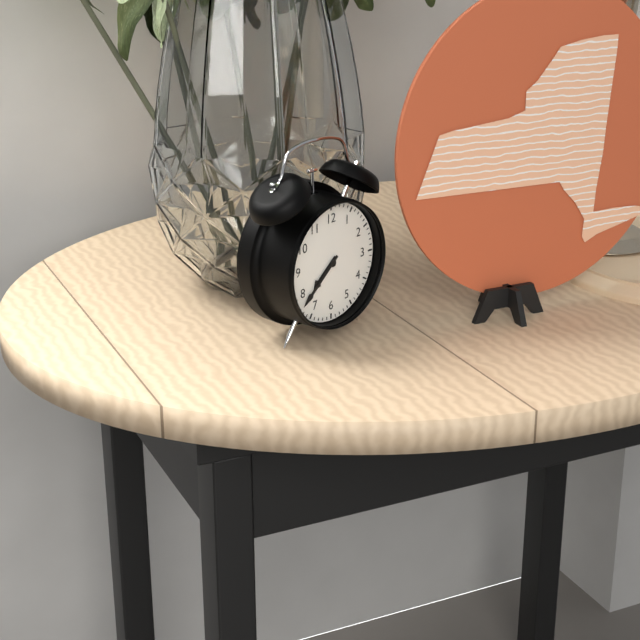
{"hour": 7, "minute": 38}
